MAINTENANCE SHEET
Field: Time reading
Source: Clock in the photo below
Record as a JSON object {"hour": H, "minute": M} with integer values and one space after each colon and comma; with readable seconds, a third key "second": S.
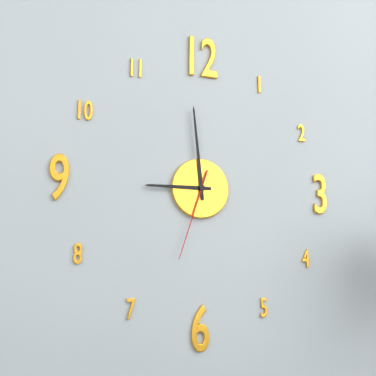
{"hour": 8, "minute": 59, "second": 33}
